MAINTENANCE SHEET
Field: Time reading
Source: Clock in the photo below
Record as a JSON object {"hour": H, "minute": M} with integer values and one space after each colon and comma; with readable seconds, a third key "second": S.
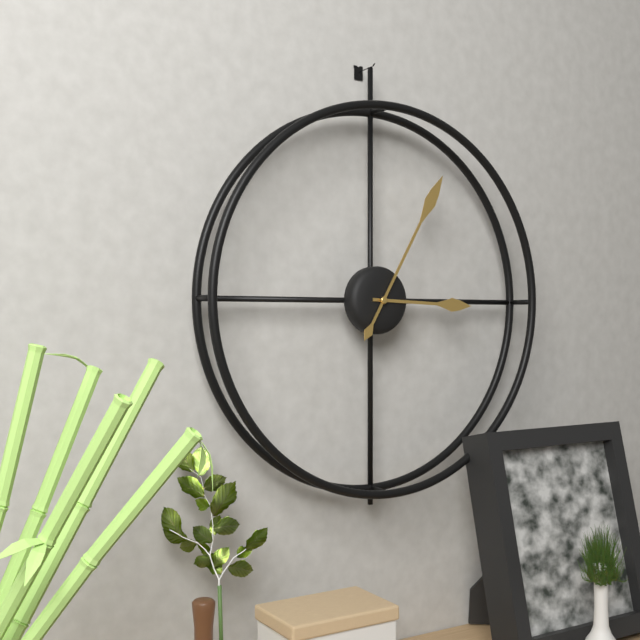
{"hour": 3, "minute": 5}
